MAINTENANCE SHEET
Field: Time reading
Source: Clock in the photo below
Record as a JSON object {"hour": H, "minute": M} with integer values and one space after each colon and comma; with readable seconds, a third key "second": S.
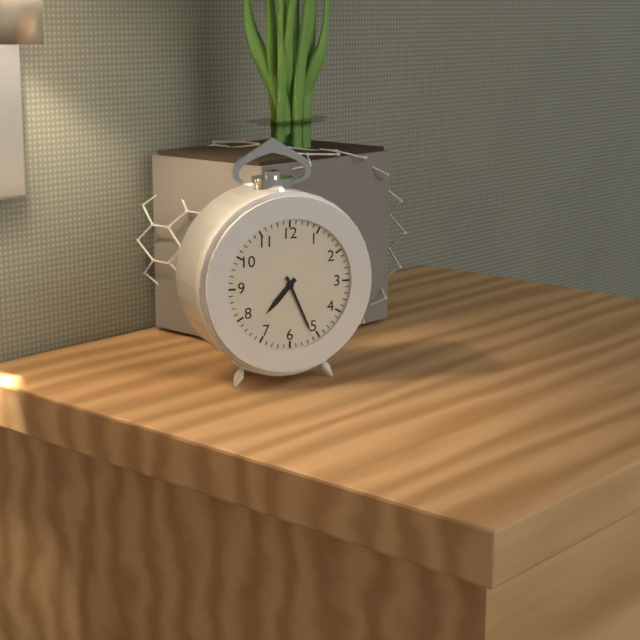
{"hour": 7, "minute": 26}
